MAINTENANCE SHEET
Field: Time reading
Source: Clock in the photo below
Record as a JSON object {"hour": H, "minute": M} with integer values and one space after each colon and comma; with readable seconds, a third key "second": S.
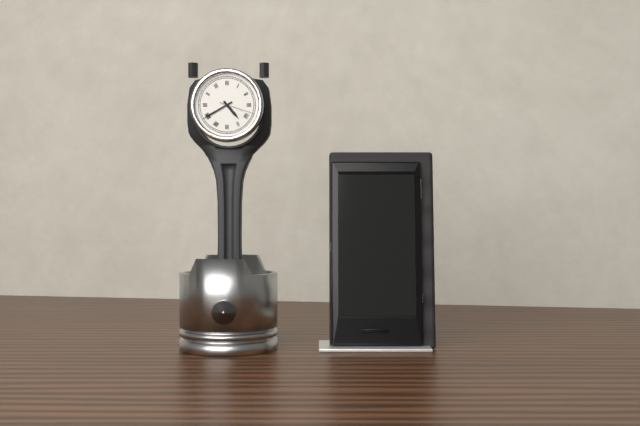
{"hour": 4, "minute": 40}
